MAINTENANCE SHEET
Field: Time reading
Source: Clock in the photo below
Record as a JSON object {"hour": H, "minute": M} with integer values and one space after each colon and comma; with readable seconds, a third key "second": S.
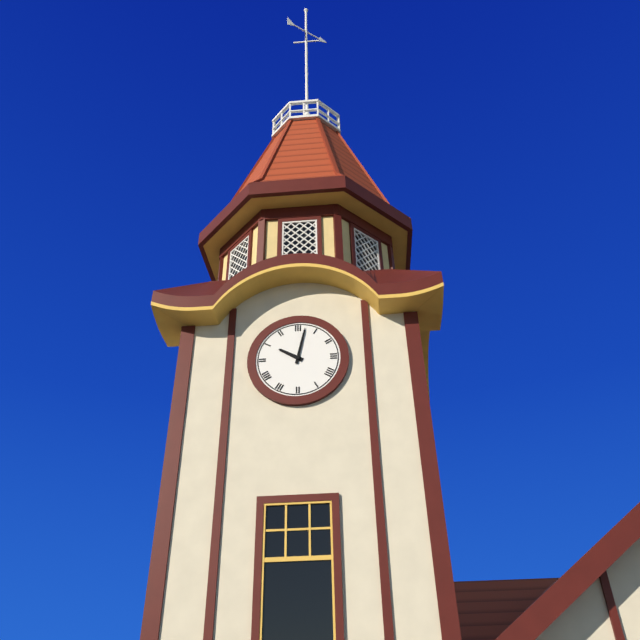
{"hour": 10, "minute": 2}
